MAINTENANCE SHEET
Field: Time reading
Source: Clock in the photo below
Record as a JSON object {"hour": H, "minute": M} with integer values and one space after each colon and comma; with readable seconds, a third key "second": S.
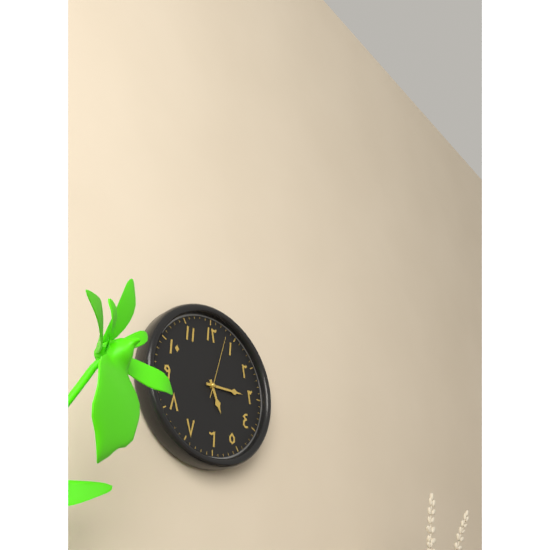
{"hour": 5, "minute": 15, "second": 3}
